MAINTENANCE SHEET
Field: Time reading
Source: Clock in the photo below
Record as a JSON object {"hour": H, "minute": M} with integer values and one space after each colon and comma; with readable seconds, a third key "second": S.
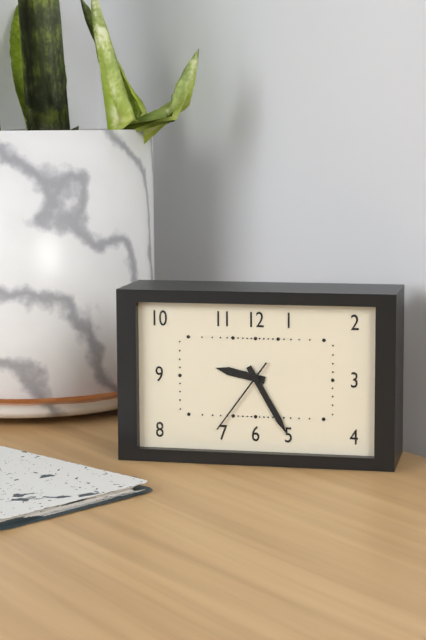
{"hour": 9, "minute": 25, "second": 36}
